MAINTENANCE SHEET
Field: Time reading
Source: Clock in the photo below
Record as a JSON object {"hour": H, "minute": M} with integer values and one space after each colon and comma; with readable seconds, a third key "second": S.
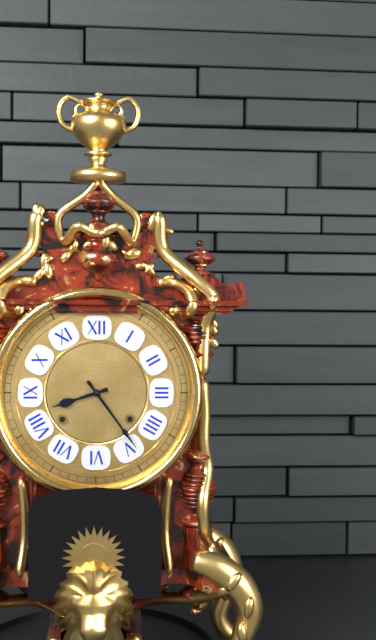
{"hour": 8, "minute": 24}
